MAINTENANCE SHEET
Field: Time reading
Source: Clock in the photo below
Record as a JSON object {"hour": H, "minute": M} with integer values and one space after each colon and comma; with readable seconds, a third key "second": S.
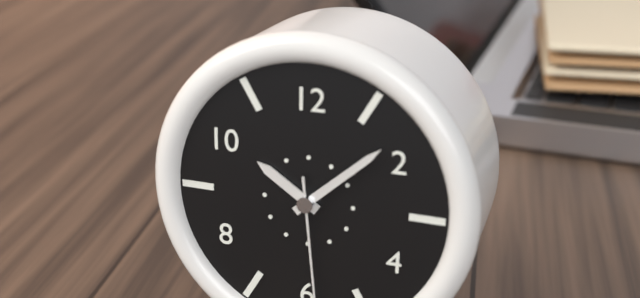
{"hour": 10, "minute": 8}
